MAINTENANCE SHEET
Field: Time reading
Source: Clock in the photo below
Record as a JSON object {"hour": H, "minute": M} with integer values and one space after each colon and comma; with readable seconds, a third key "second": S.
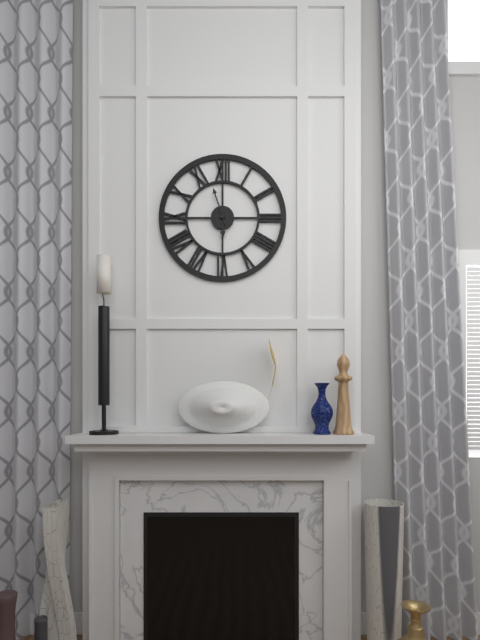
{"hour": 5, "minute": 57}
